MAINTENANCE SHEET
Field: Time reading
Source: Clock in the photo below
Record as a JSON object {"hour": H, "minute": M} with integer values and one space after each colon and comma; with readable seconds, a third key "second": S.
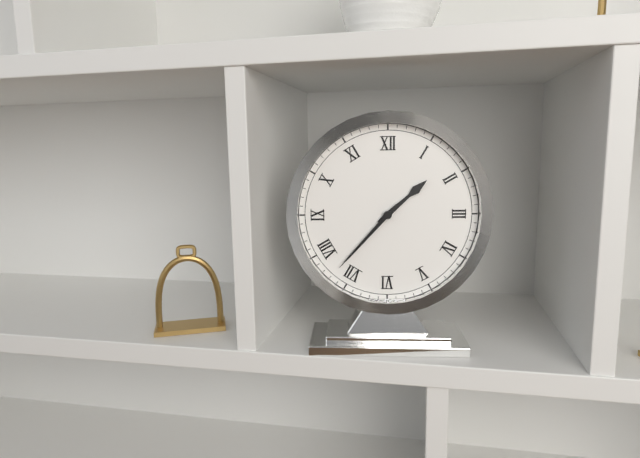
{"hour": 1, "minute": 37}
